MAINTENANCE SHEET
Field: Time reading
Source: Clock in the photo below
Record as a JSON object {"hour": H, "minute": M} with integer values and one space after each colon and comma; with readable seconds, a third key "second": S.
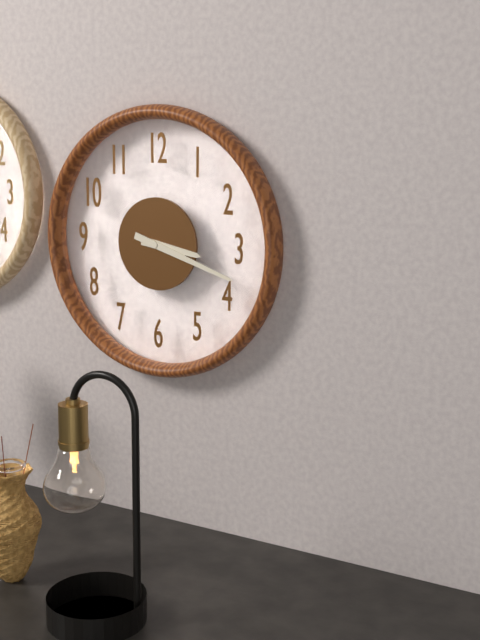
{"hour": 3, "minute": 18}
